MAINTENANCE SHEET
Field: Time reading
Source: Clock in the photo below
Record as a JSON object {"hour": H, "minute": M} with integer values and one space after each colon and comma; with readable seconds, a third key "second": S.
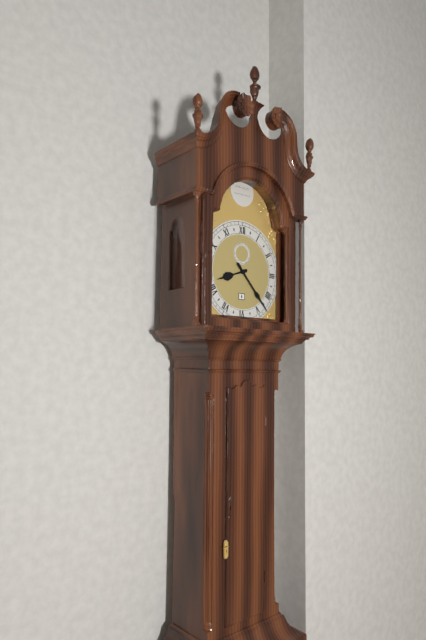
{"hour": 8, "minute": 23}
